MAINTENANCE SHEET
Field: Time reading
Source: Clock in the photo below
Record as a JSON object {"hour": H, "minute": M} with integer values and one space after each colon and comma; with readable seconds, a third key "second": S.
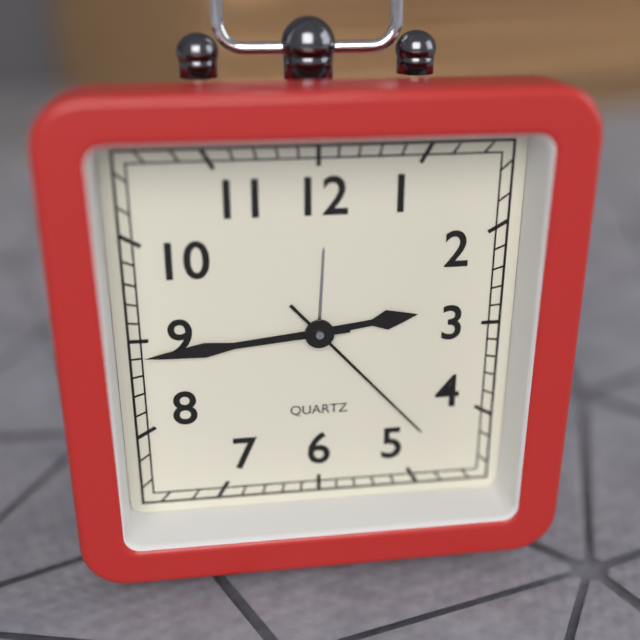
{"hour": 2, "minute": 44, "second": 23}
